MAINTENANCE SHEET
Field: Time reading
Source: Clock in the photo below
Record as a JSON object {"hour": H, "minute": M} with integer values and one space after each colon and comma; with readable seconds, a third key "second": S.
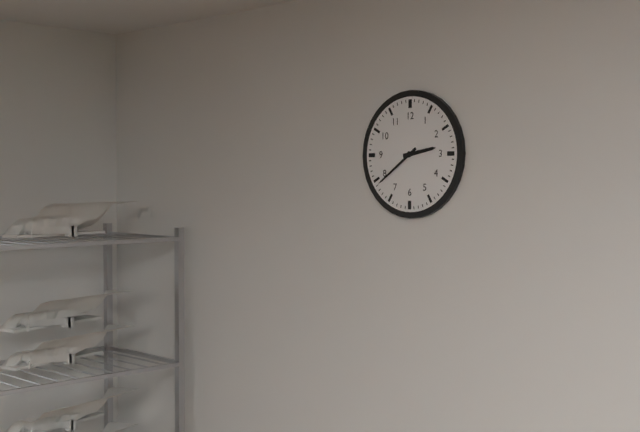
{"hour": 2, "minute": 39}
